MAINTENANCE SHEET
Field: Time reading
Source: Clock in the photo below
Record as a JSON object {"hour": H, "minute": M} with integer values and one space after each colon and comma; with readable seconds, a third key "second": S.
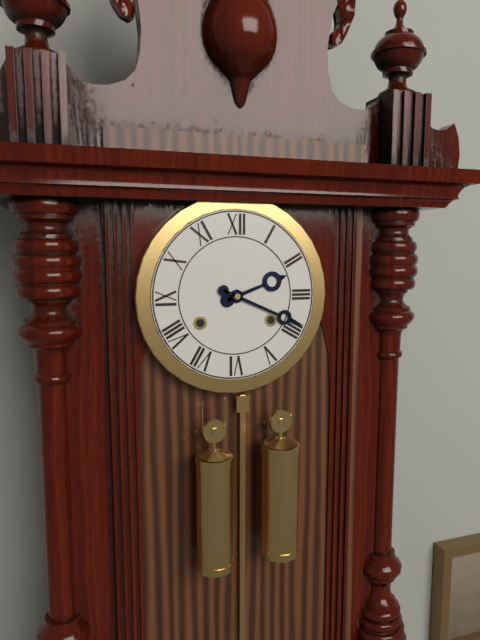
{"hour": 2, "minute": 19}
